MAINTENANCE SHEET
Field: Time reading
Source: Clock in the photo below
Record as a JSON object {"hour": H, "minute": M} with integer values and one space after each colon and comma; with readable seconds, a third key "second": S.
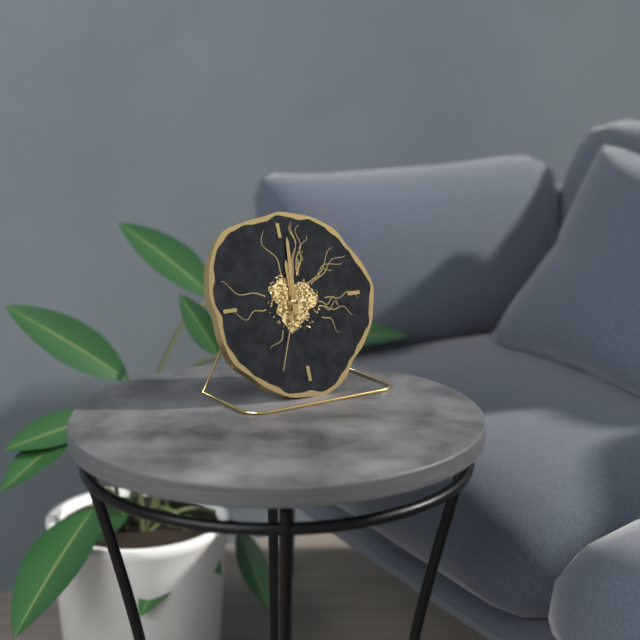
{"hour": 12, "minute": 1, "second": 34}
